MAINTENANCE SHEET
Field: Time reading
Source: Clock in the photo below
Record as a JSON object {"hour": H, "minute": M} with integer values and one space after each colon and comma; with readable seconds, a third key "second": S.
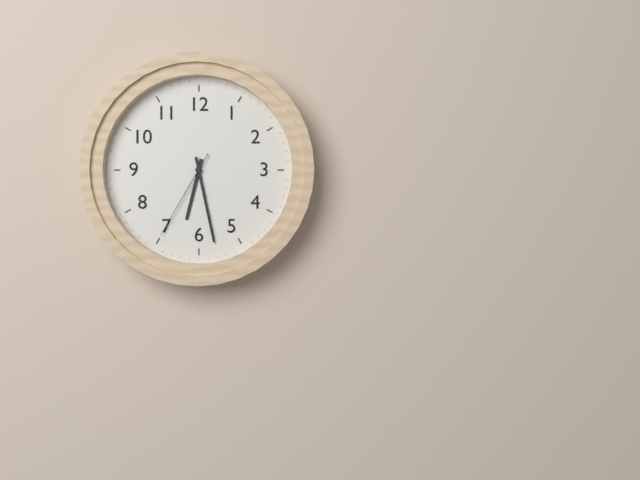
{"hour": 6, "minute": 28, "second": 35}
